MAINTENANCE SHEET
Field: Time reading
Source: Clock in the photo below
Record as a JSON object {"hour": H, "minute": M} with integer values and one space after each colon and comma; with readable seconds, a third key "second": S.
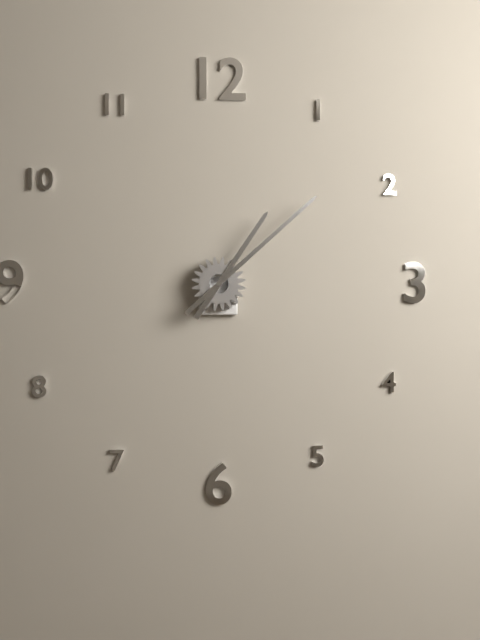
{"hour": 1, "minute": 8}
